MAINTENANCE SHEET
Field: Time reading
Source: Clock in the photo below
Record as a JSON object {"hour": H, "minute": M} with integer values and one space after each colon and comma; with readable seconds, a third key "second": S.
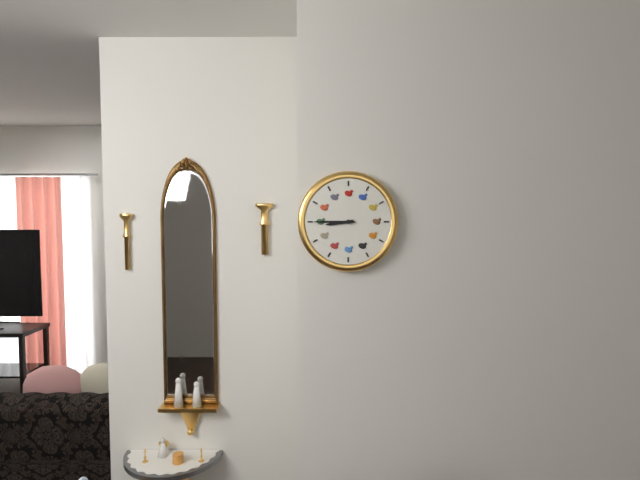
{"hour": 8, "minute": 45}
